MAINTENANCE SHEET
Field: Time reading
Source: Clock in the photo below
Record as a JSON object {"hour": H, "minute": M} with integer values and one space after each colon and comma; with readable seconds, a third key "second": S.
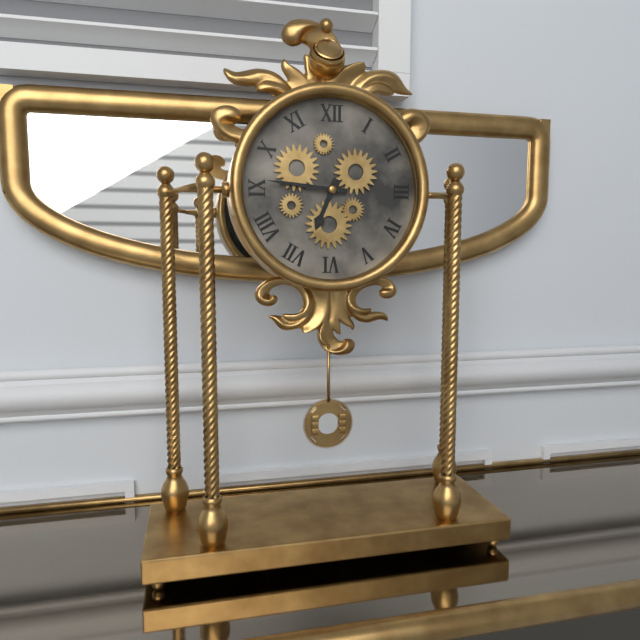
{"hour": 6, "minute": 46}
